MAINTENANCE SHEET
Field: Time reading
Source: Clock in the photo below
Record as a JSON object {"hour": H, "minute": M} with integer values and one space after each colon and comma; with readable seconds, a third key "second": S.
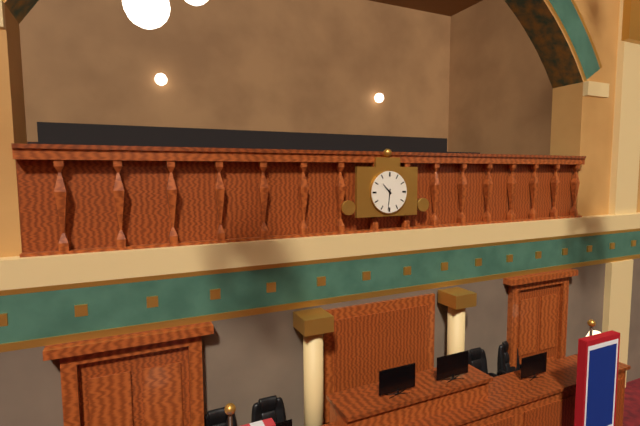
{"hour": 10, "minute": 31}
